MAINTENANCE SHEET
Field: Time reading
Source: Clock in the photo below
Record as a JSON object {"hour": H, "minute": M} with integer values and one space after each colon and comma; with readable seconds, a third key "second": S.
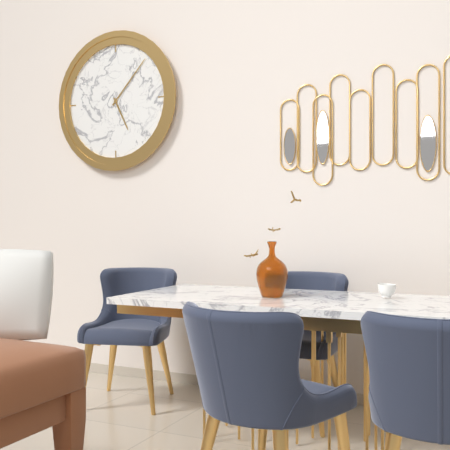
{"hour": 5, "minute": 7}
